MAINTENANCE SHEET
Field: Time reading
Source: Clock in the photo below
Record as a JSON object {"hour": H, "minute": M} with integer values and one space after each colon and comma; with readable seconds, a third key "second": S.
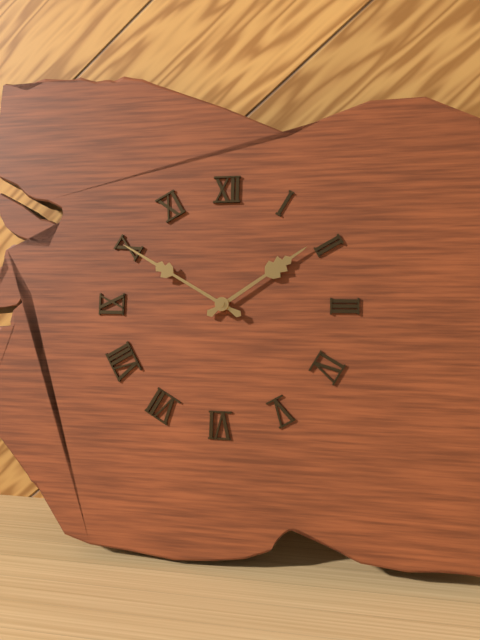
{"hour": 1, "minute": 50}
